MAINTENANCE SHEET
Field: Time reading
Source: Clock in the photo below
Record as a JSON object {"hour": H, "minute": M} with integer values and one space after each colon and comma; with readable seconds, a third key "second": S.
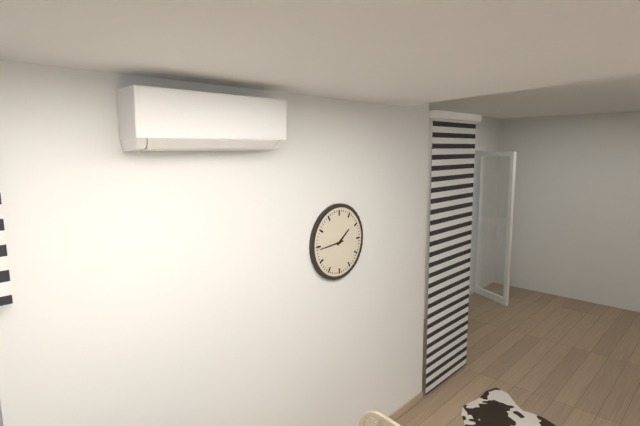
{"hour": 1, "minute": 44}
